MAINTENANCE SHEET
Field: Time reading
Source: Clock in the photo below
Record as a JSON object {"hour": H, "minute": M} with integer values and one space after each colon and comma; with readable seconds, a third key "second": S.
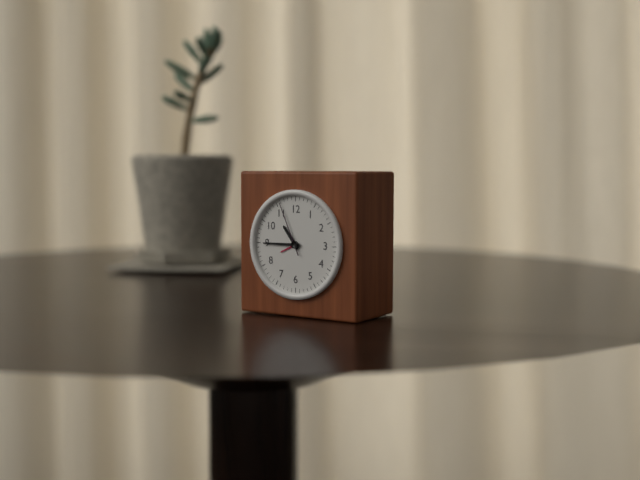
{"hour": 10, "minute": 45, "second": 56}
